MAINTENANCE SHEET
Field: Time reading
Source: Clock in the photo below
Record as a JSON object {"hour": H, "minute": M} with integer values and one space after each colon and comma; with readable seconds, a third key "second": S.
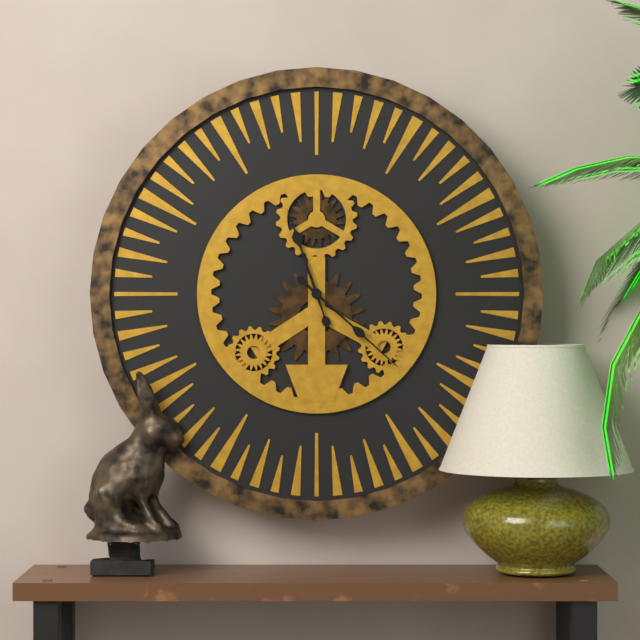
{"hour": 11, "minute": 22}
